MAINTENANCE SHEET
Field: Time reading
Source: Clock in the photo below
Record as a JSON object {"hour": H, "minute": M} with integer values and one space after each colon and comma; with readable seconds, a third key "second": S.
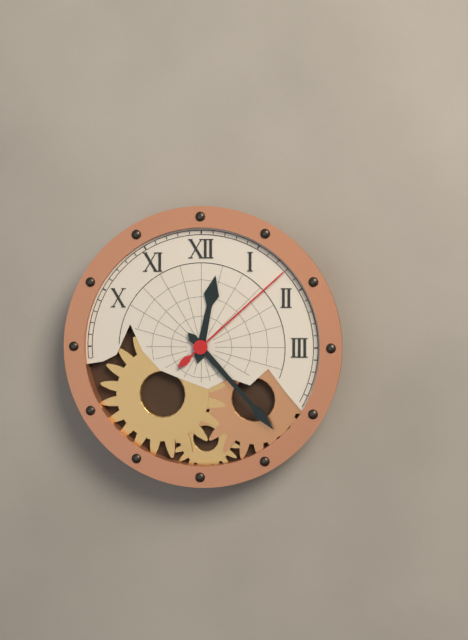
{"hour": 12, "minute": 23, "second": 8}
